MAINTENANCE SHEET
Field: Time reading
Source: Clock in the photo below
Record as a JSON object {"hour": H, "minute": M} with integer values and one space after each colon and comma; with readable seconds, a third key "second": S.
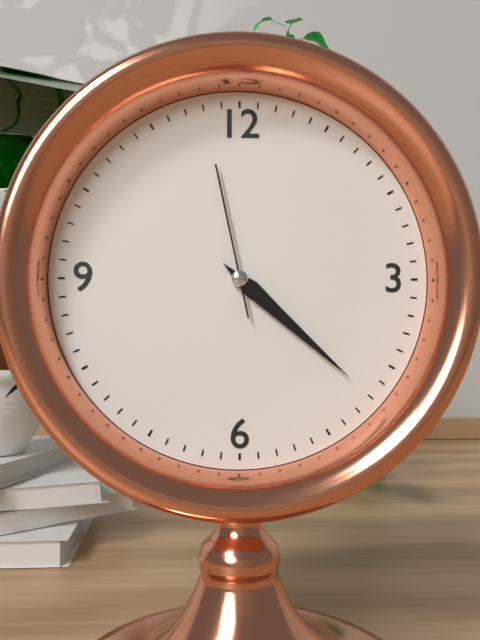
{"hour": 4, "minute": 22, "second": 58}
